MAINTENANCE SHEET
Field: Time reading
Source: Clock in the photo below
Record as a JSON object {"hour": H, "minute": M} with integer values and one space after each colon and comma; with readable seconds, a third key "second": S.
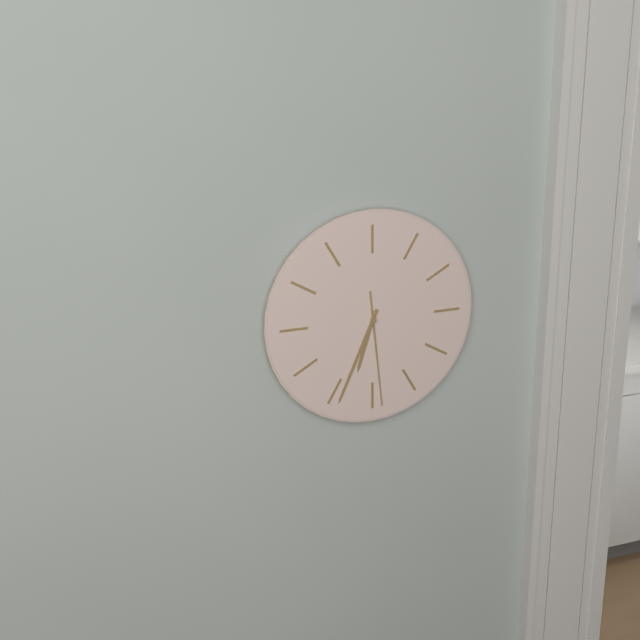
{"hour": 6, "minute": 34, "second": 29}
